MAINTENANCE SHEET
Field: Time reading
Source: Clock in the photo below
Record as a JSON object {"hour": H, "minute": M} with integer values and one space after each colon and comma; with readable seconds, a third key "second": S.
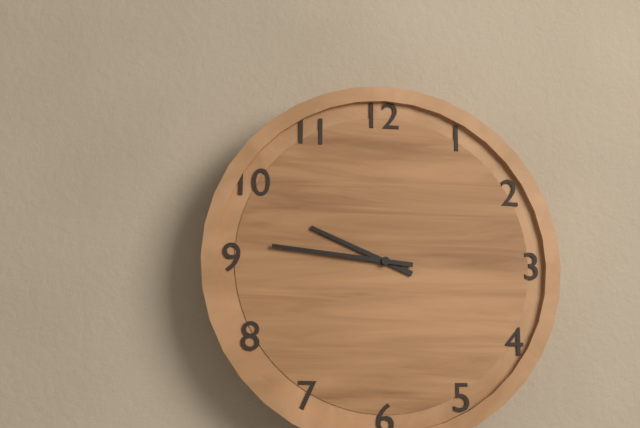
{"hour": 9, "minute": 46}
